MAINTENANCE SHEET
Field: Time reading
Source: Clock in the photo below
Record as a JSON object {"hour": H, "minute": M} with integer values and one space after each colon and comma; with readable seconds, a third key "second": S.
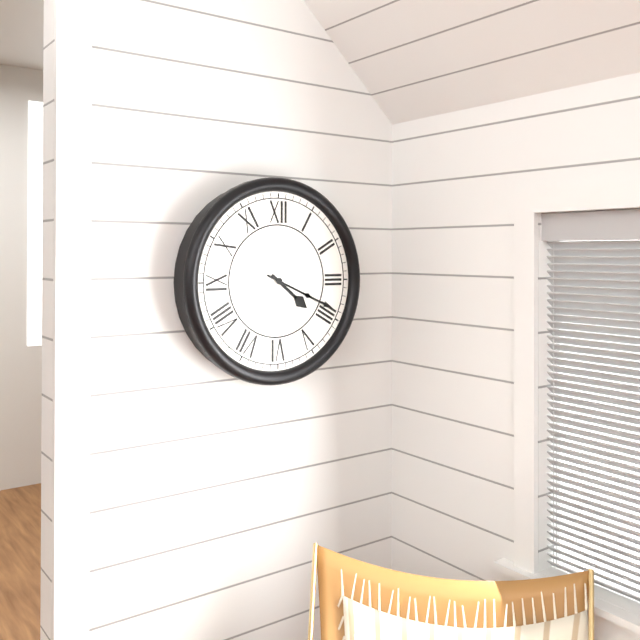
{"hour": 4, "minute": 19}
